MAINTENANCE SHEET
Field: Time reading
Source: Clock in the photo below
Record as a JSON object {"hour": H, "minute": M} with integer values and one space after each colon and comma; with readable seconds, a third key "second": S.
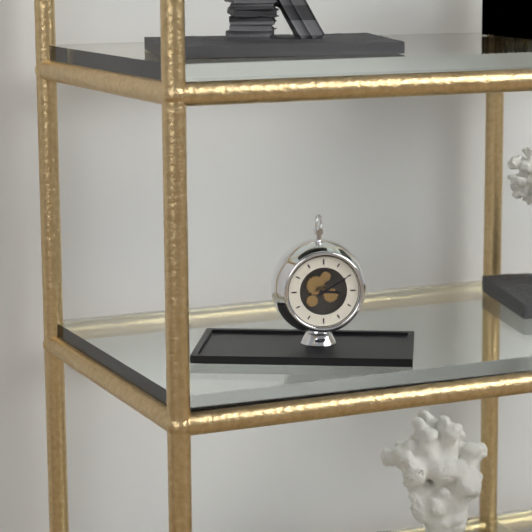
{"hour": 3, "minute": 10}
